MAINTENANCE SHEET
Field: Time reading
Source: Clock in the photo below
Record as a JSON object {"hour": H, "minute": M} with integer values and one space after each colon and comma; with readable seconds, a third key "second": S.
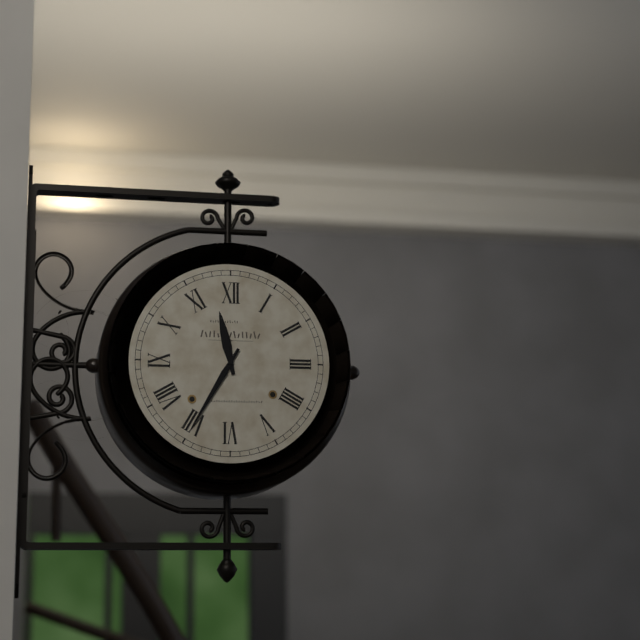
{"hour": 11, "minute": 35}
